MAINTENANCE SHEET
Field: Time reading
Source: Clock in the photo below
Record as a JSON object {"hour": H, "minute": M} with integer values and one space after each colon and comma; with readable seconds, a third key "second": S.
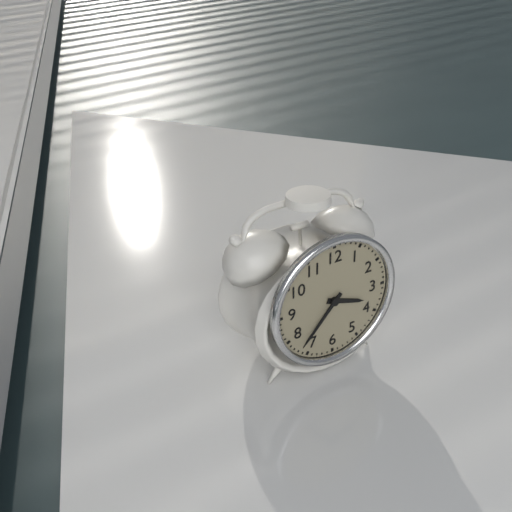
{"hour": 3, "minute": 37}
